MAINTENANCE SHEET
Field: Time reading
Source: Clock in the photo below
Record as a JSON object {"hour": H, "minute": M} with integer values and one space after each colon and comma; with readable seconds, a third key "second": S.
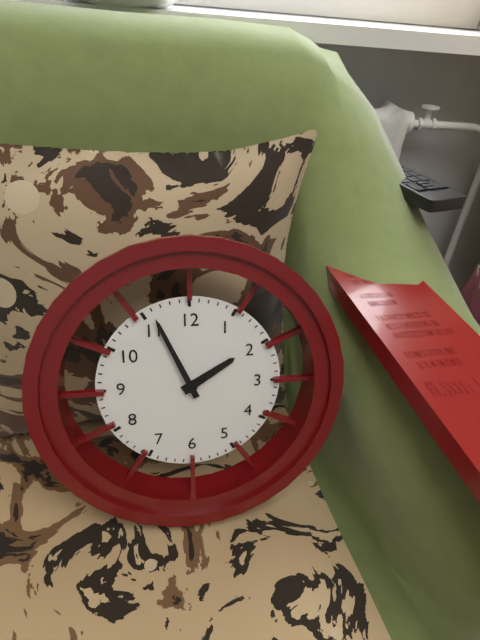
{"hour": 1, "minute": 56}
